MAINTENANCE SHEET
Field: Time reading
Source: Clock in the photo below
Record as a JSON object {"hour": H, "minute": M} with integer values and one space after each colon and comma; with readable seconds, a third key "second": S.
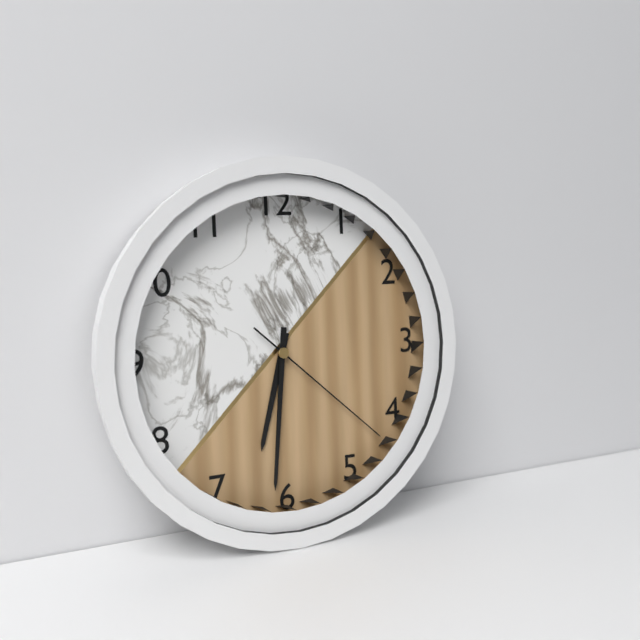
{"hour": 6, "minute": 31, "second": 22}
